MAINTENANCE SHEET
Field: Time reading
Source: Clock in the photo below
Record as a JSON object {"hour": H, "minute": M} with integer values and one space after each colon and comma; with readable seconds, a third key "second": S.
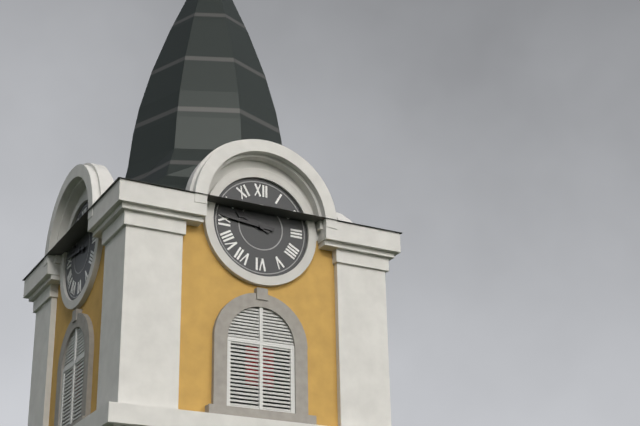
{"hour": 9, "minute": 46}
